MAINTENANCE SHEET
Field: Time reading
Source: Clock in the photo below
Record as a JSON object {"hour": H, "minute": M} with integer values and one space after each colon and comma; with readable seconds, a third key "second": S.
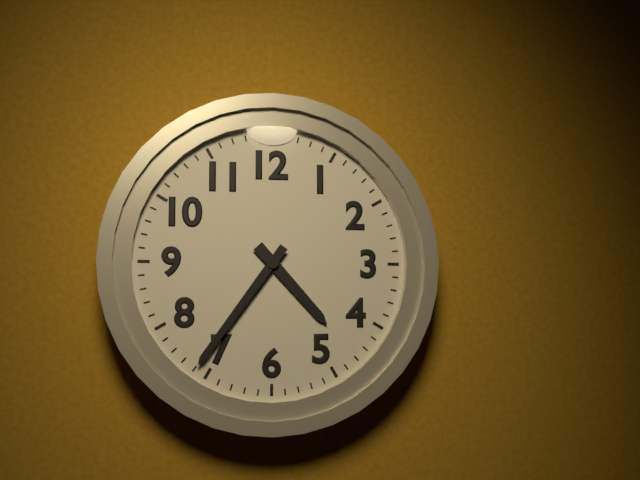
{"hour": 4, "minute": 36}
